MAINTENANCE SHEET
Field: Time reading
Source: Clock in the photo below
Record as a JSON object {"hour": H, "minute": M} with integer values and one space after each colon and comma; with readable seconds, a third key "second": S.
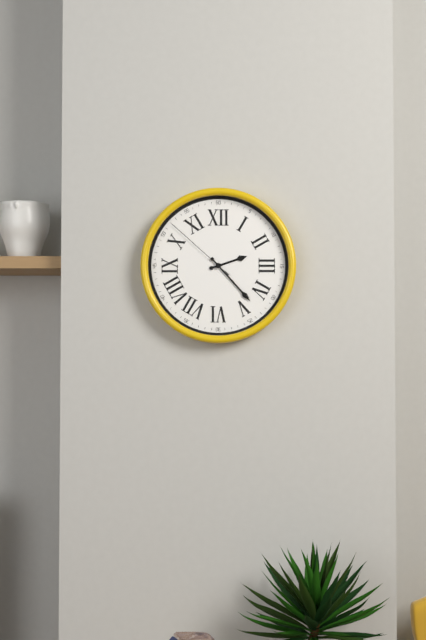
{"hour": 2, "minute": 23, "second": 52}
